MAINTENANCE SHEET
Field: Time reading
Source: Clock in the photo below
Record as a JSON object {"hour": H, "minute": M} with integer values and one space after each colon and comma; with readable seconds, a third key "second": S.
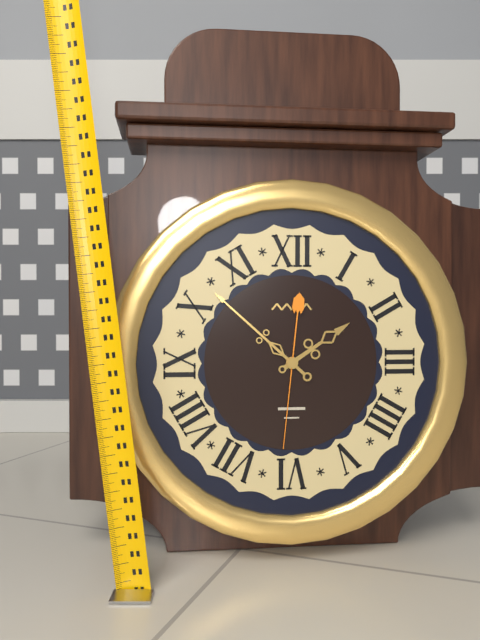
{"hour": 1, "minute": 52, "second": 31}
